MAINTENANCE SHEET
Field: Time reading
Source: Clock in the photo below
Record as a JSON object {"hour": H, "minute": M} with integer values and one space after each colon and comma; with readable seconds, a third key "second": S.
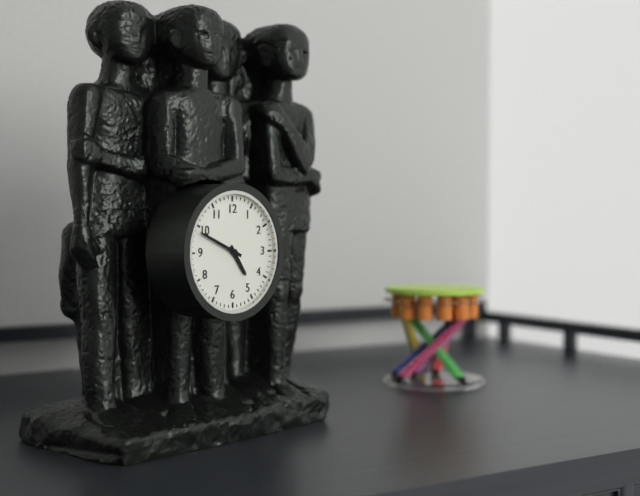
{"hour": 4, "minute": 49}
